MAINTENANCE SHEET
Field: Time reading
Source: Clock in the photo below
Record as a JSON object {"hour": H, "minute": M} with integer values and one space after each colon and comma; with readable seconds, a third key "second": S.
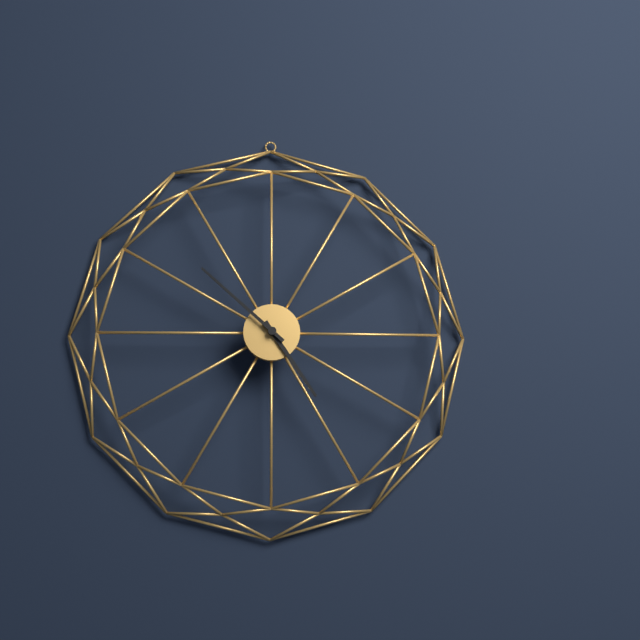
{"hour": 4, "minute": 52}
